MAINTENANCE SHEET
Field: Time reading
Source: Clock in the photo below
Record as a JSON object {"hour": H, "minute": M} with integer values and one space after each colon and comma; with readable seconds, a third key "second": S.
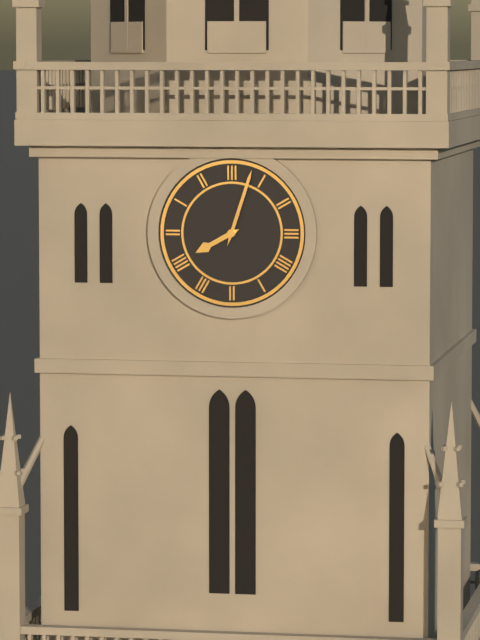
{"hour": 8, "minute": 3}
